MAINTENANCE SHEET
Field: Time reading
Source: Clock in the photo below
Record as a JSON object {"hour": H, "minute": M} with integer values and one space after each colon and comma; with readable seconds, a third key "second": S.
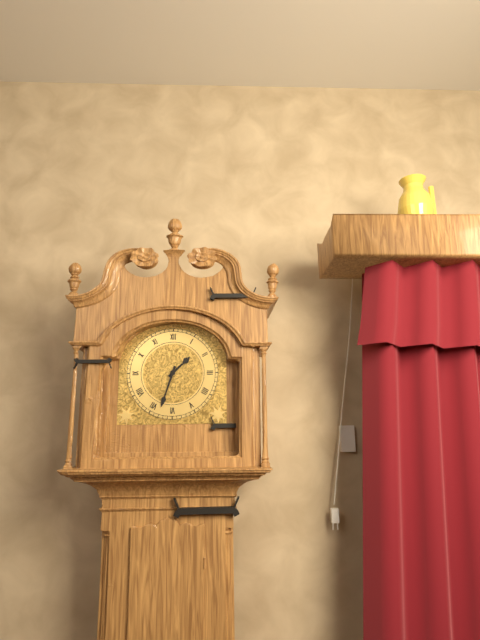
{"hour": 1, "minute": 33}
